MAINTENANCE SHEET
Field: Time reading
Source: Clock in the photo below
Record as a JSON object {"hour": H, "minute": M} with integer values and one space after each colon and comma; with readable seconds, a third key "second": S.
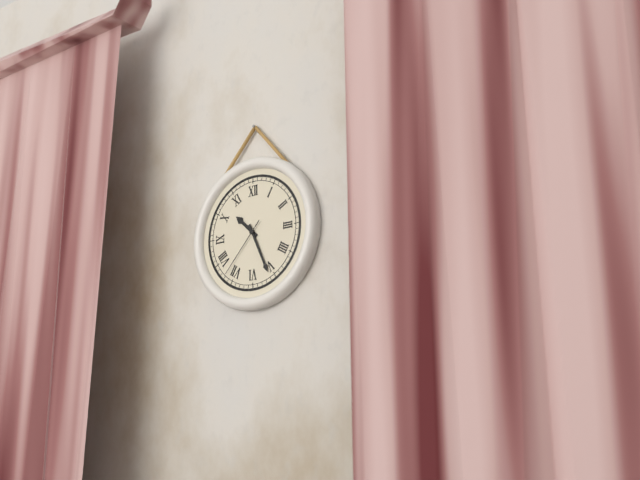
{"hour": 10, "minute": 26, "second": 37}
